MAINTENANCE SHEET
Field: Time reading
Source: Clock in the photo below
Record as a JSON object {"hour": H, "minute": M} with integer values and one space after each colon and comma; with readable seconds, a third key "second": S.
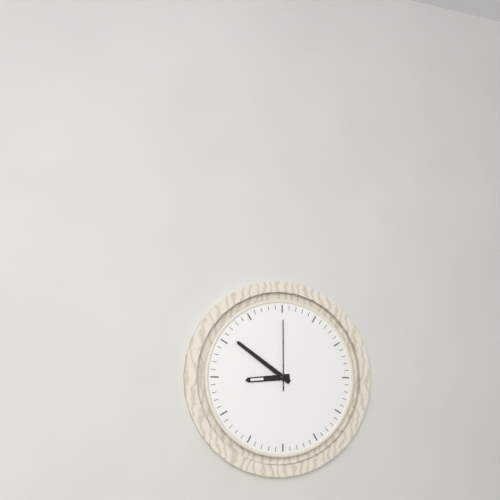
{"hour": 8, "minute": 51, "second": 0}
